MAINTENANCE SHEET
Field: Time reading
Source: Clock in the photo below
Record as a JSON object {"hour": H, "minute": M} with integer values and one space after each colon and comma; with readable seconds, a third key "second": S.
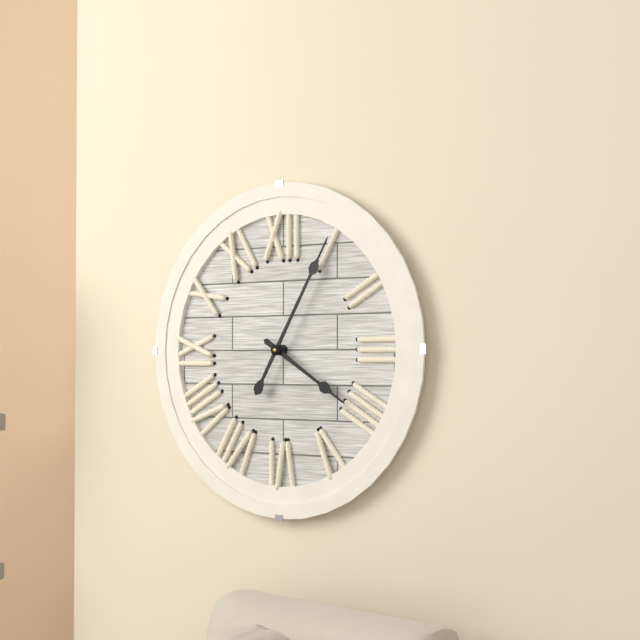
{"hour": 4, "minute": 5}
